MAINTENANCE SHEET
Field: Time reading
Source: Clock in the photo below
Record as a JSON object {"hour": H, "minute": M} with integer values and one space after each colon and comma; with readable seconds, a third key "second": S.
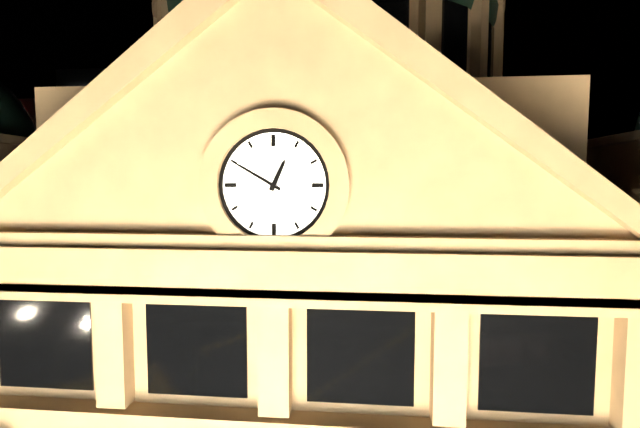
{"hour": 12, "minute": 50}
